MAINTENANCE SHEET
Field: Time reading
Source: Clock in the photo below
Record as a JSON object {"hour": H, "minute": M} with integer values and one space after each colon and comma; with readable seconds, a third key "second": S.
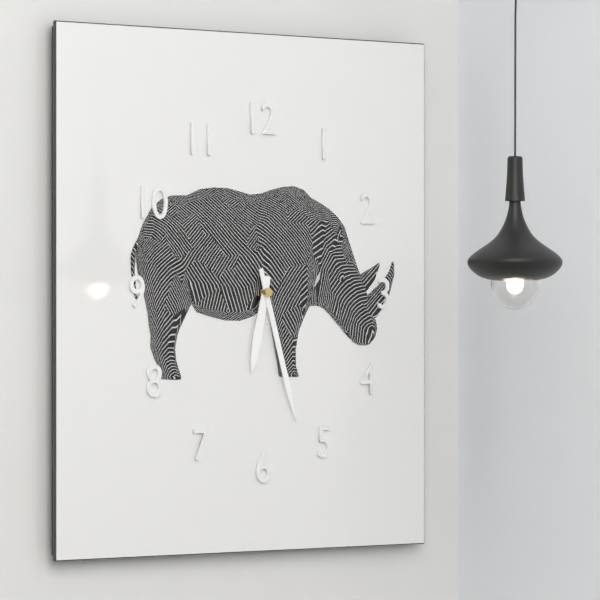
{"hour": 6, "minute": 27}
